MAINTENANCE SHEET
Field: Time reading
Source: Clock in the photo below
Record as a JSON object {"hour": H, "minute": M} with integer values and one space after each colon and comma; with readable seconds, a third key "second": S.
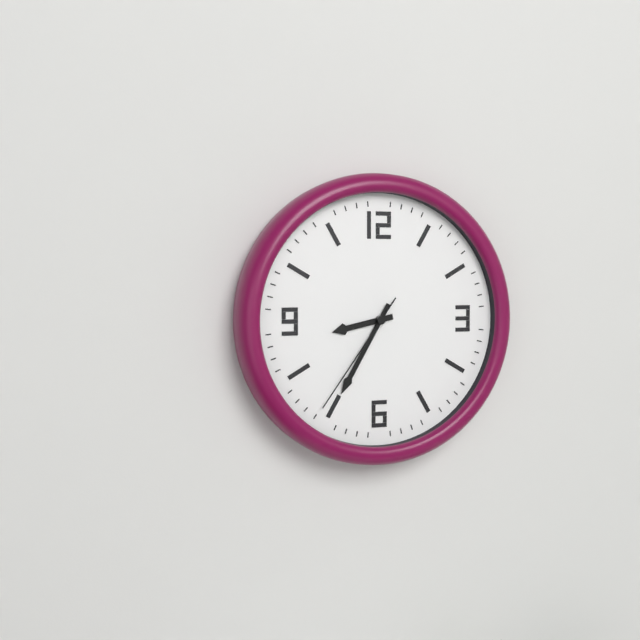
{"hour": 8, "minute": 35, "second": 36}
